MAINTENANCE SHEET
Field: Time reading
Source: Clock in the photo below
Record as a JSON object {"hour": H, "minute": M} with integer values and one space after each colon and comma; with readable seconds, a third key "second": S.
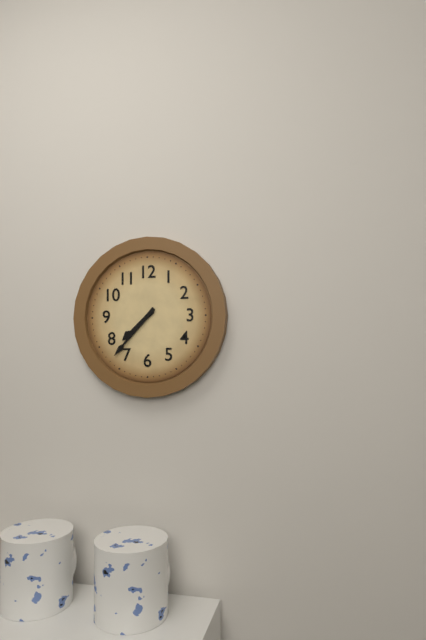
{"hour": 7, "minute": 37}
